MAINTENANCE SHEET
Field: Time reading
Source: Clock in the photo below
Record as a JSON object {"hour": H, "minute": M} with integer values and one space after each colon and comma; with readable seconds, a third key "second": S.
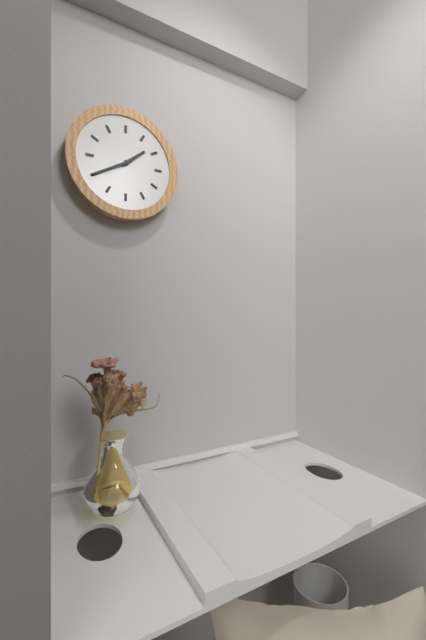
{"hour": 1, "minute": 40}
